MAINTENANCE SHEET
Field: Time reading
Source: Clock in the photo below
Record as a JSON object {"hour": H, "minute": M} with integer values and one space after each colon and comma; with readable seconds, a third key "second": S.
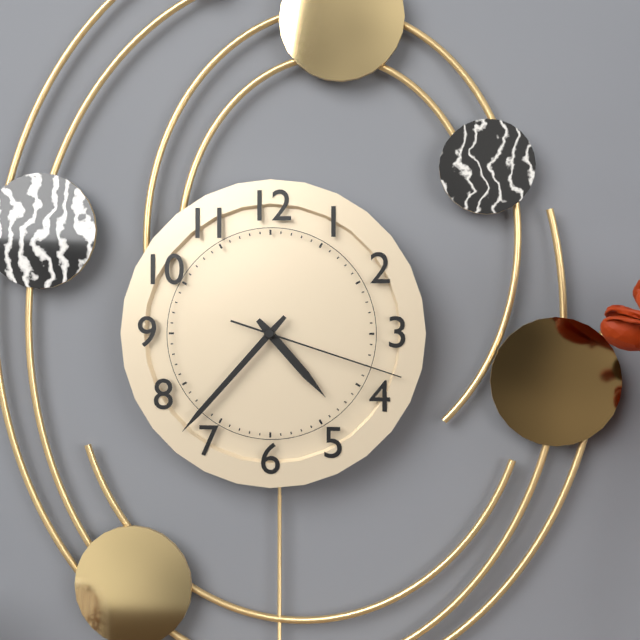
{"hour": 4, "minute": 37, "second": 18}
